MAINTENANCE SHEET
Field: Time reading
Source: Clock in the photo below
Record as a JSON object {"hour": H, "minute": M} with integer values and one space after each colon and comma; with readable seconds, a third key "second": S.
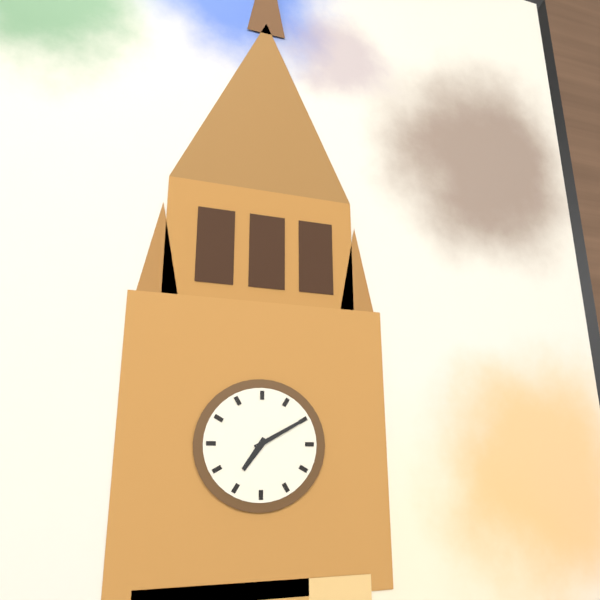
{"hour": 7, "minute": 10}
